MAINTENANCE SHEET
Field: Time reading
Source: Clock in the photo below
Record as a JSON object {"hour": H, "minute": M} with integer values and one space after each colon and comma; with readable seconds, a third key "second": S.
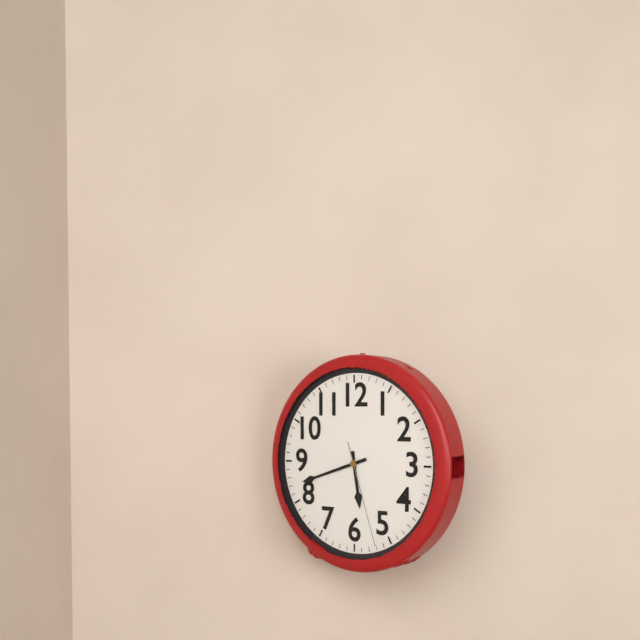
{"hour": 5, "minute": 42, "second": 27}
